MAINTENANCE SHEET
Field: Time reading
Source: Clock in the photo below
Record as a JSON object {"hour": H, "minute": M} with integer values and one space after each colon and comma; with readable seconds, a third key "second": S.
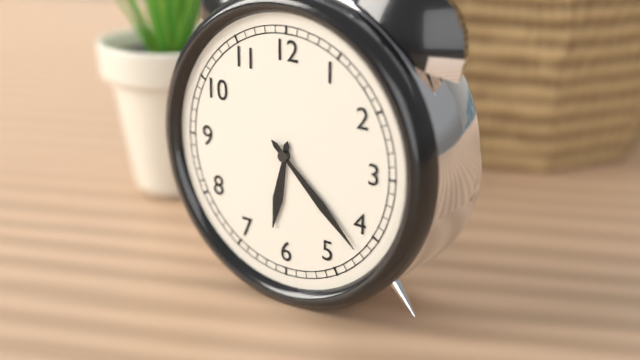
{"hour": 6, "minute": 22}
